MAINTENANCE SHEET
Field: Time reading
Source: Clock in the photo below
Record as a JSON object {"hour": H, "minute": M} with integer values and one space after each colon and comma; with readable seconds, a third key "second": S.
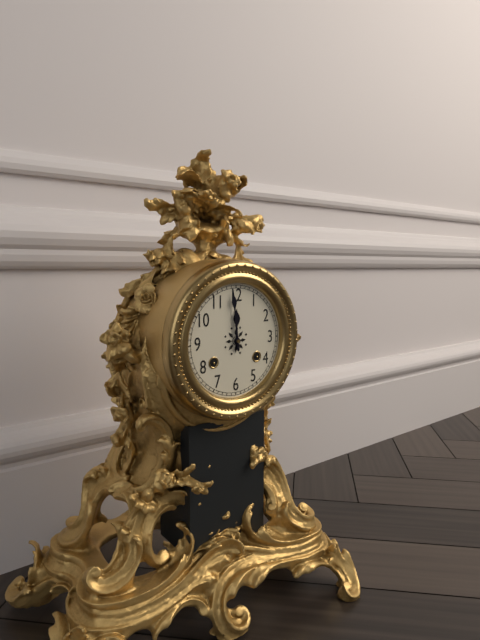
{"hour": 11, "minute": 59}
